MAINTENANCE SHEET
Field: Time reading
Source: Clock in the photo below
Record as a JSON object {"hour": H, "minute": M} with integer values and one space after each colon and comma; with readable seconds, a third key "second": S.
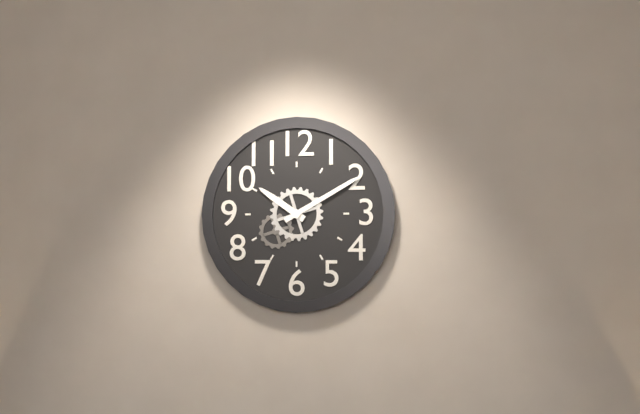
{"hour": 10, "minute": 10}
